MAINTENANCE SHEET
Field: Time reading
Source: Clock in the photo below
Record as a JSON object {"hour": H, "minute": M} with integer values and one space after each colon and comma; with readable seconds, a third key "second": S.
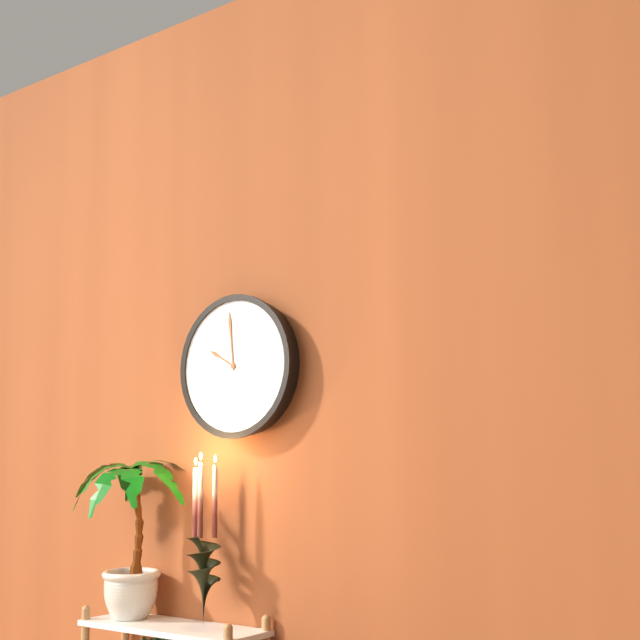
{"hour": 9, "minute": 59}
